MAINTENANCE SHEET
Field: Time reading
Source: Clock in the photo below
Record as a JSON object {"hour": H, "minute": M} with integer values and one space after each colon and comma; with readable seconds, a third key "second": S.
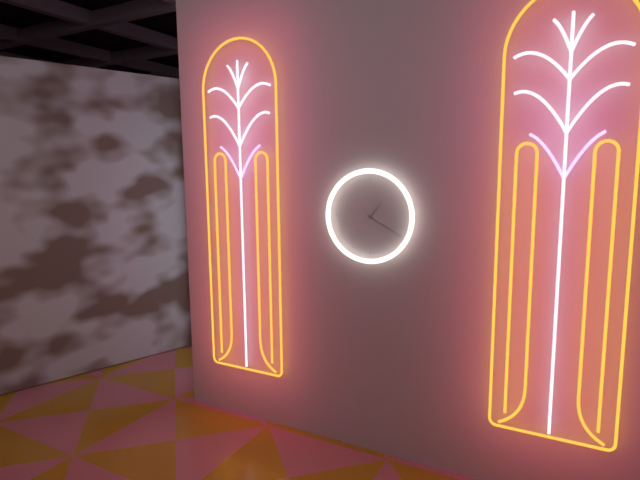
{"hour": 1, "minute": 20}
